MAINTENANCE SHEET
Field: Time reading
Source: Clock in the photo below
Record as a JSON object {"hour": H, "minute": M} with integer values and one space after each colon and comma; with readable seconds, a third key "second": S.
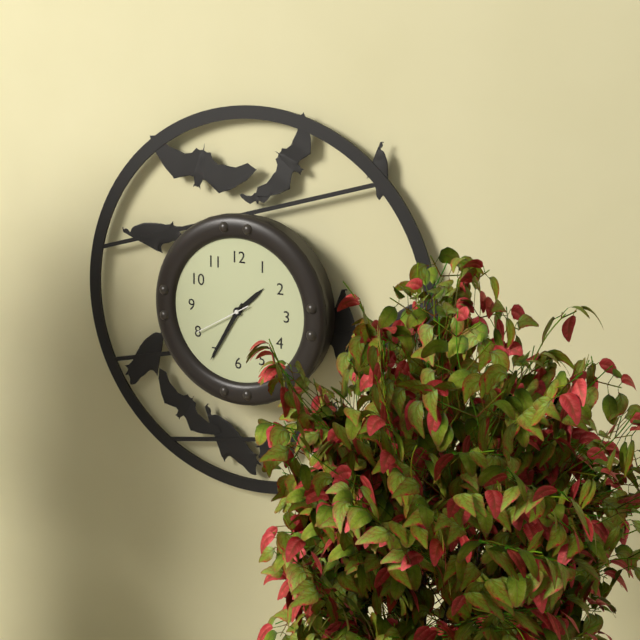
{"hour": 1, "minute": 35, "second": 40}
